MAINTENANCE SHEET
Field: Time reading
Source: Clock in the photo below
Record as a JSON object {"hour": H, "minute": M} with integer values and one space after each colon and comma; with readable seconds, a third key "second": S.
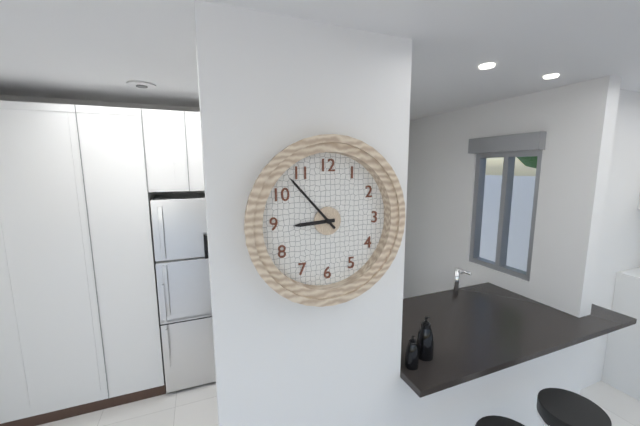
{"hour": 8, "minute": 53}
